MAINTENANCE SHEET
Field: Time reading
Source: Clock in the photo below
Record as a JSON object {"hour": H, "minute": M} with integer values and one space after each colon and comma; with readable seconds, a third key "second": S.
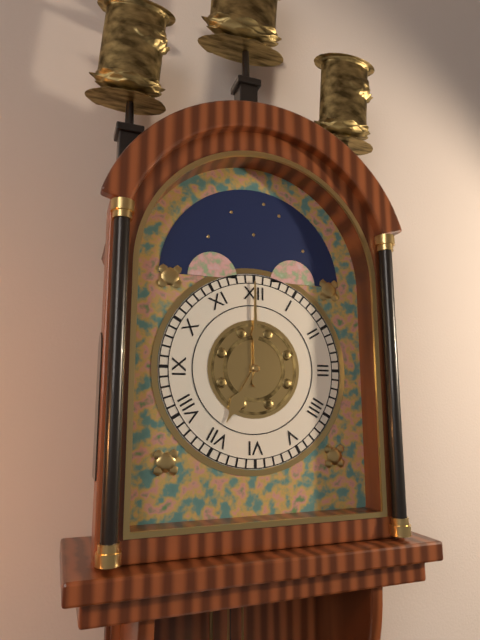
{"hour": 7, "minute": 0}
